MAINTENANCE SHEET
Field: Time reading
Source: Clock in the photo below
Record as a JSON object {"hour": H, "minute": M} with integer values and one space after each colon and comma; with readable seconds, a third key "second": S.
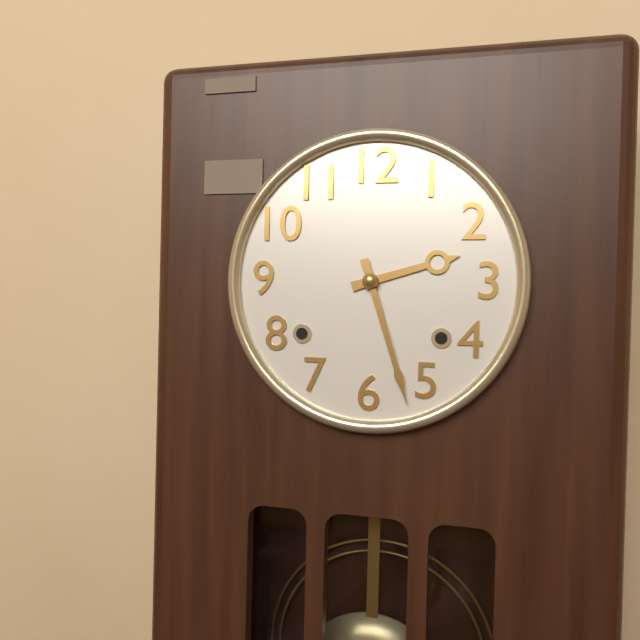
{"hour": 2, "minute": 27}
